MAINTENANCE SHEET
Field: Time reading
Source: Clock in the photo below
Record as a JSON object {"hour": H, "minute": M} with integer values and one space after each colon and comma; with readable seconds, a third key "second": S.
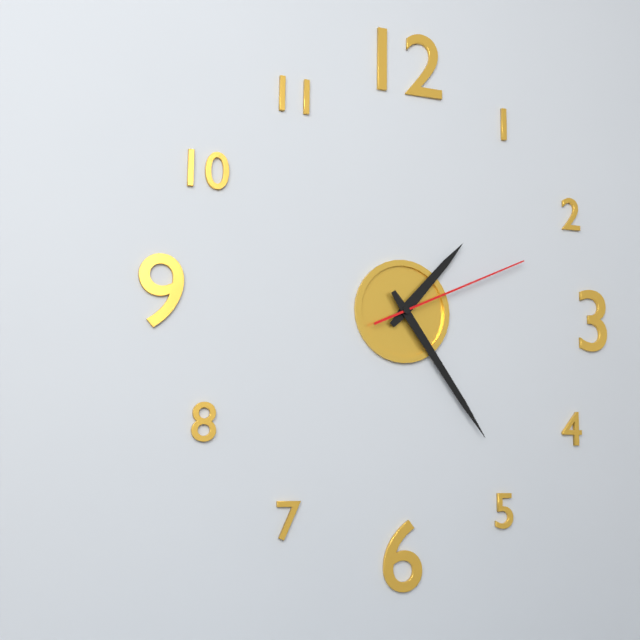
{"hour": 1, "minute": 24, "second": 11}
